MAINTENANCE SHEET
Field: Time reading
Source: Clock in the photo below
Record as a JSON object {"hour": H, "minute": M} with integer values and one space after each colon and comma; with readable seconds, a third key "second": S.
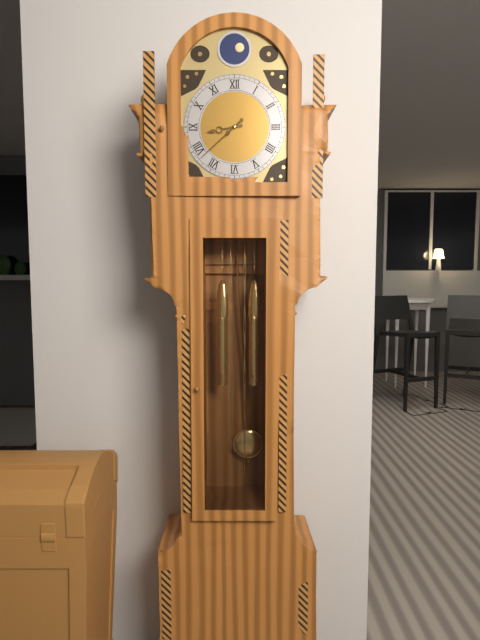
{"hour": 8, "minute": 38}
